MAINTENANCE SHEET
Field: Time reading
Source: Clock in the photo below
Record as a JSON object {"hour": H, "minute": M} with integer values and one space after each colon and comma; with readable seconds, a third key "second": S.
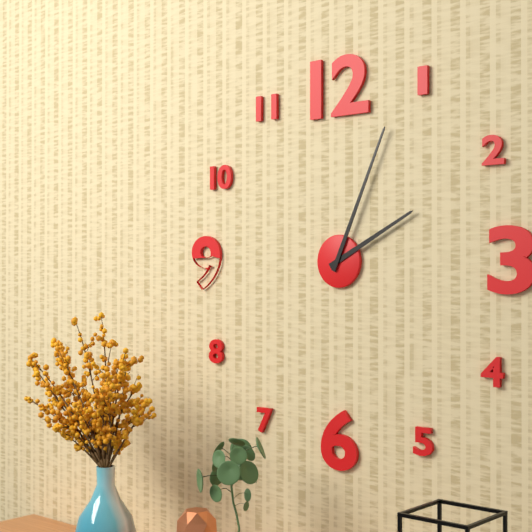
{"hour": 2, "minute": 4}
